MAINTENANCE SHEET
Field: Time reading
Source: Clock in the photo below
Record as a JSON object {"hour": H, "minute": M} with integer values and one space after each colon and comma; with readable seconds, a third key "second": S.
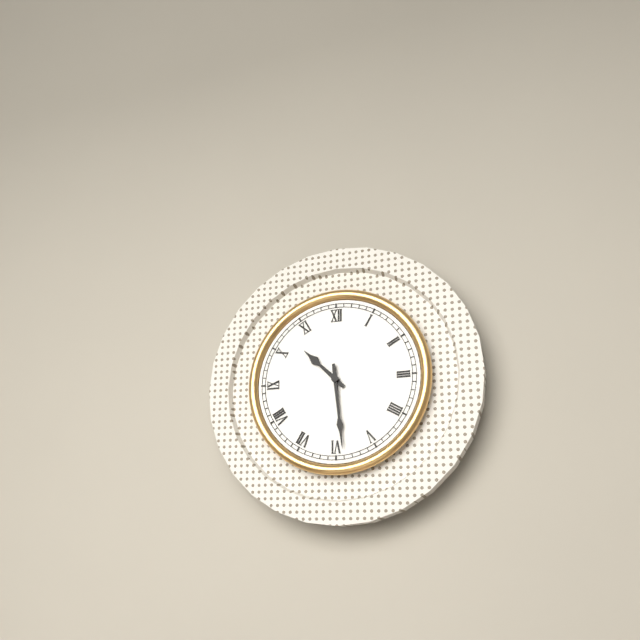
{"hour": 10, "minute": 29}
